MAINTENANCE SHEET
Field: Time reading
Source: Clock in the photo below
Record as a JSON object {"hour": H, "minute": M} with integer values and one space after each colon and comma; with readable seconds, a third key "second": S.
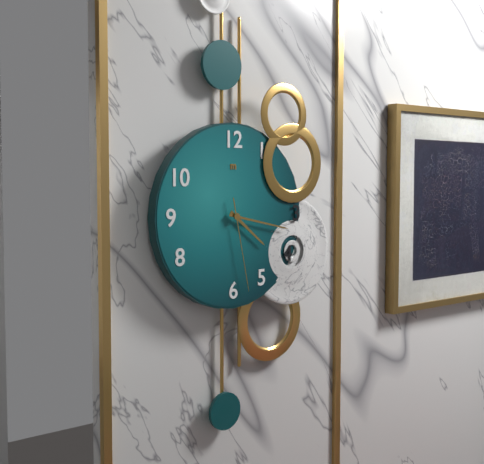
{"hour": 4, "minute": 17, "second": 28}
